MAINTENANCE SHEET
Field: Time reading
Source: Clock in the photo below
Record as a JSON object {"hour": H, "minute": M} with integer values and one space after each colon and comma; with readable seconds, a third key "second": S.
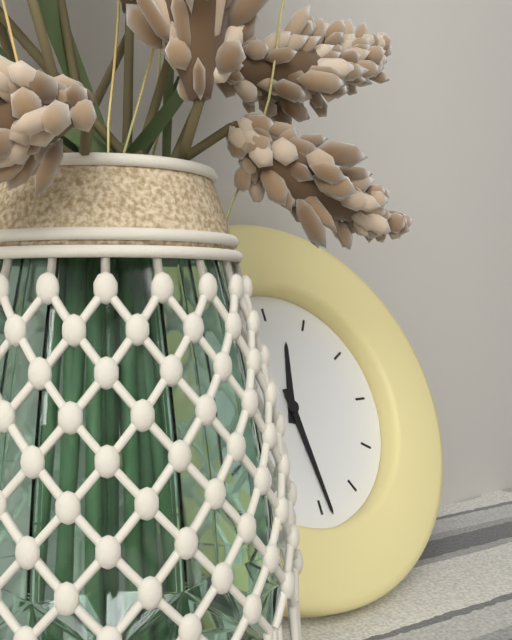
{"hour": 12, "minute": 29}
